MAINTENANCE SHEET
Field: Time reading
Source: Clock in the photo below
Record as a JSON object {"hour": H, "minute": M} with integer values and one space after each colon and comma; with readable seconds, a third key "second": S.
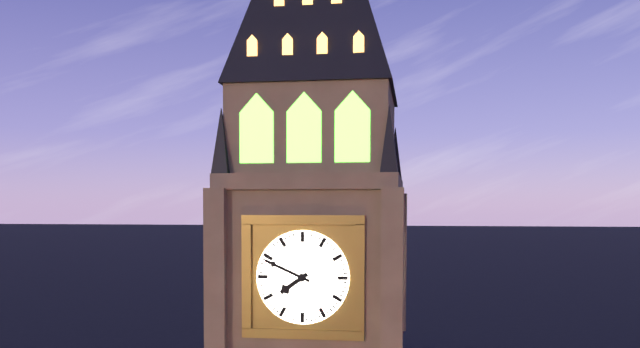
{"hour": 7, "minute": 49}
